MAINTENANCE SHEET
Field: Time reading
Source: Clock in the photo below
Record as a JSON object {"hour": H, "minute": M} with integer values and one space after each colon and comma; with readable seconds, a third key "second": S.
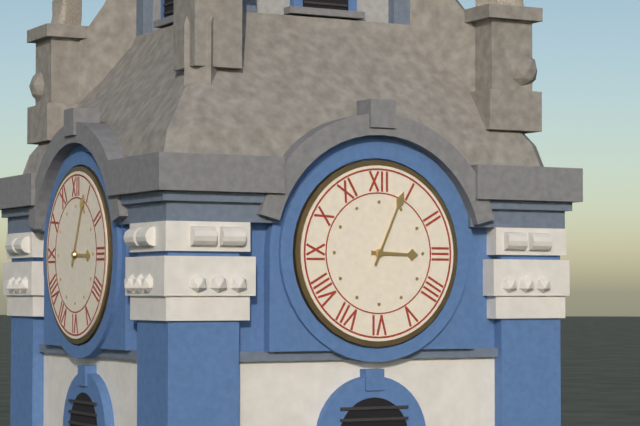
{"hour": 3, "minute": 4}
